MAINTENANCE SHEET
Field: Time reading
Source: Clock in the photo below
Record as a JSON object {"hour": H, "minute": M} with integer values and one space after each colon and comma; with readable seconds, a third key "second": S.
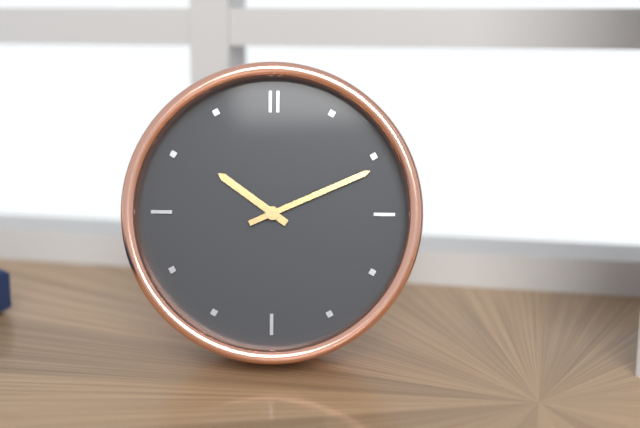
{"hour": 10, "minute": 11}
